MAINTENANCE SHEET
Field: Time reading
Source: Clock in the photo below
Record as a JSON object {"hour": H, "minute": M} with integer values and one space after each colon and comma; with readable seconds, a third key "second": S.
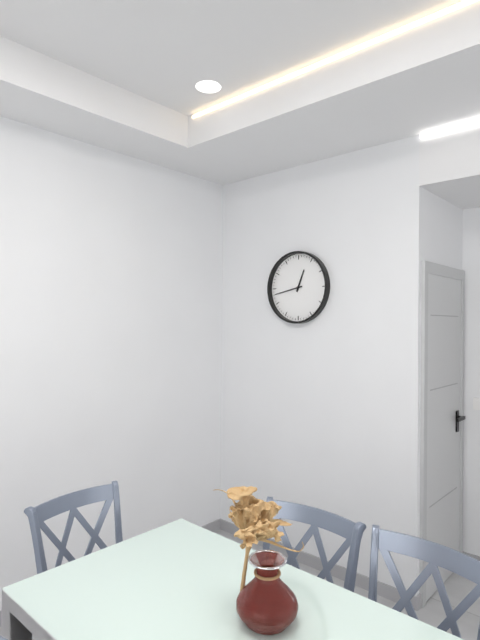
{"hour": 12, "minute": 43}
